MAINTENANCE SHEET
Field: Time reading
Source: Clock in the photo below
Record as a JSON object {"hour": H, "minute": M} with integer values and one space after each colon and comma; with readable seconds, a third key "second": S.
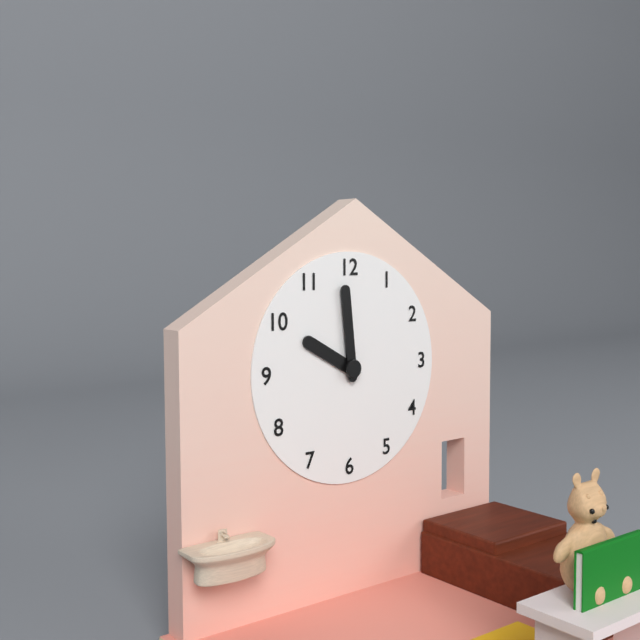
{"hour": 9, "minute": 59}
